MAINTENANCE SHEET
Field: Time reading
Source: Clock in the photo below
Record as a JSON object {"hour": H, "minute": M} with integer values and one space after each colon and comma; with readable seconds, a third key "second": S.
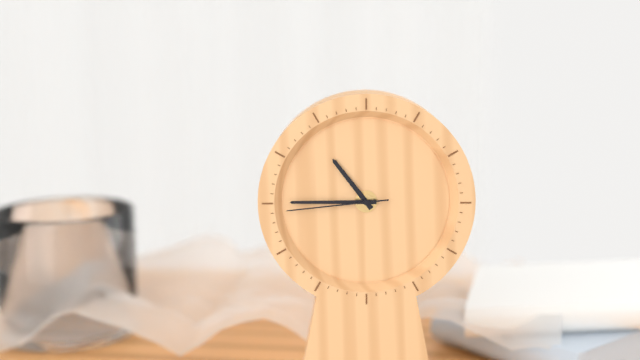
{"hour": 10, "minute": 45, "second": 44}
